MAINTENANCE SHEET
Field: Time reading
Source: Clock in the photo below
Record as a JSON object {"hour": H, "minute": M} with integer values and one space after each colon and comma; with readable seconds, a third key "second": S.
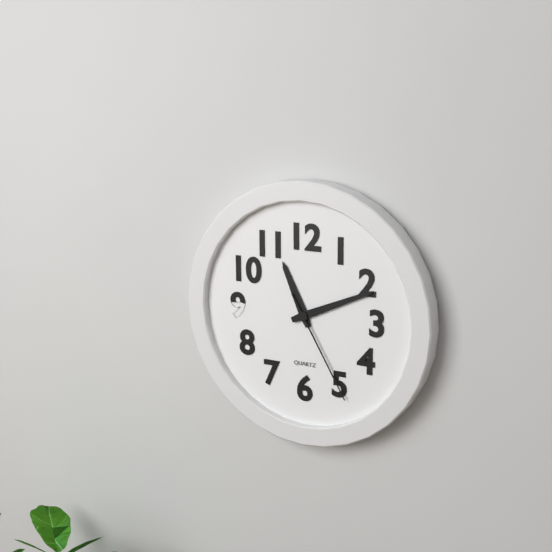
{"hour": 11, "minute": 11, "second": 25}
